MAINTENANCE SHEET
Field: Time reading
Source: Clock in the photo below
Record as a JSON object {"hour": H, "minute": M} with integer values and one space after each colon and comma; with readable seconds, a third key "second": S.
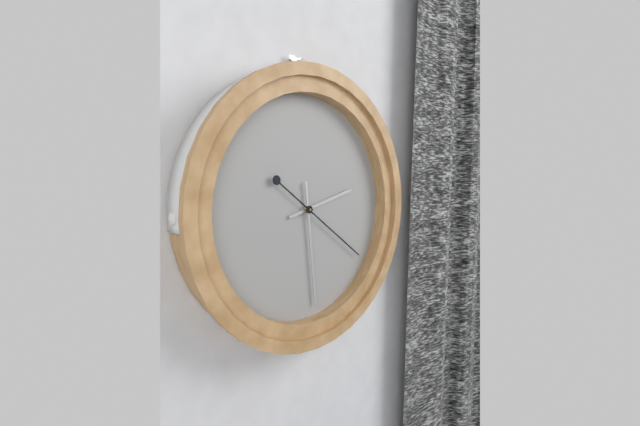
{"hour": 2, "minute": 29, "second": 21}
